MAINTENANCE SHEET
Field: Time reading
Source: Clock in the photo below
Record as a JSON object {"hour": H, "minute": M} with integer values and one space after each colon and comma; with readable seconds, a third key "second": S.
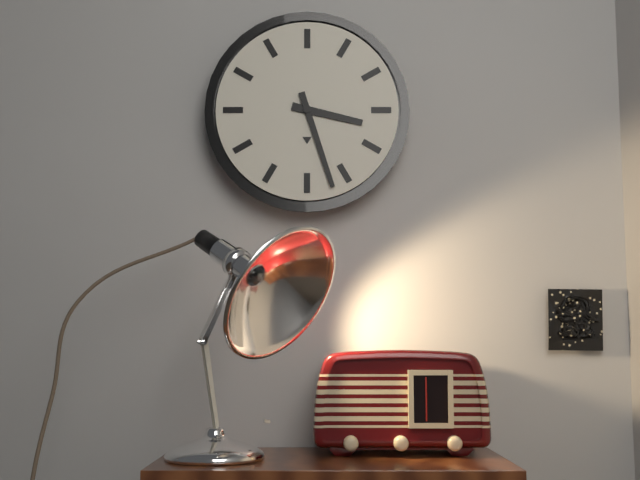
{"hour": 3, "minute": 27}
